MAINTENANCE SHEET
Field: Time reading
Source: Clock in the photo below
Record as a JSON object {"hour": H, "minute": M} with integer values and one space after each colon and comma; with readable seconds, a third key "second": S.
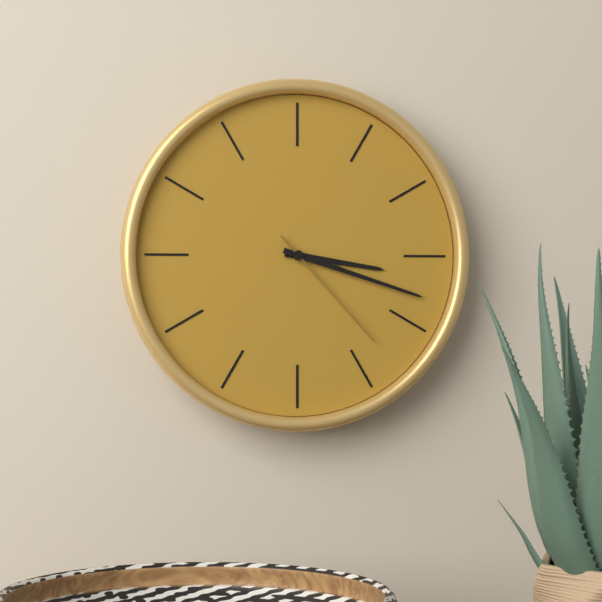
{"hour": 3, "minute": 18, "second": 23}
